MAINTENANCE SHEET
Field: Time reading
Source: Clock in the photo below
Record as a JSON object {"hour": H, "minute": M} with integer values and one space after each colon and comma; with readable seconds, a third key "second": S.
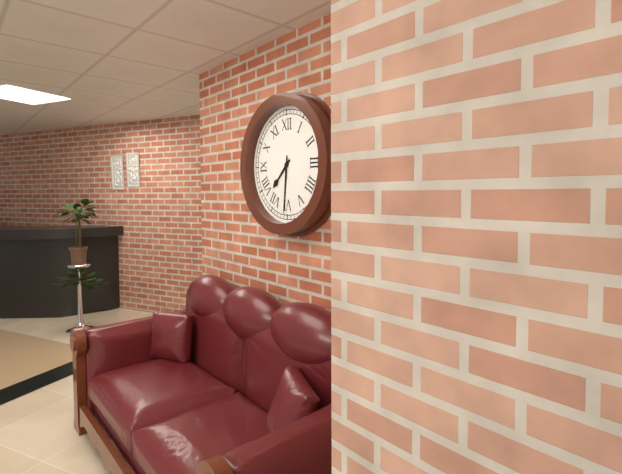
{"hour": 7, "minute": 31}
